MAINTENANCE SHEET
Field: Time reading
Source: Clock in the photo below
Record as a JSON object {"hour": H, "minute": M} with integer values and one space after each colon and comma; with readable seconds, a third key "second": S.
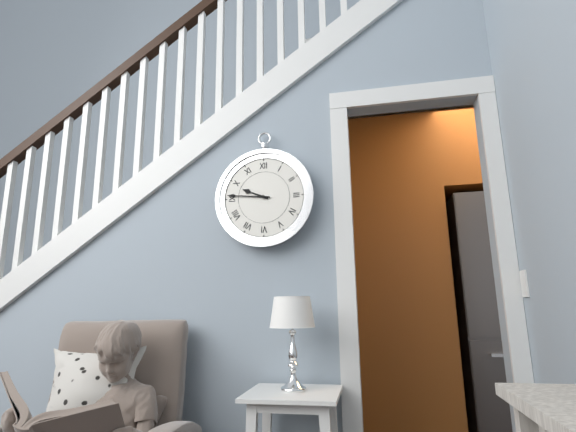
{"hour": 9, "minute": 46}
